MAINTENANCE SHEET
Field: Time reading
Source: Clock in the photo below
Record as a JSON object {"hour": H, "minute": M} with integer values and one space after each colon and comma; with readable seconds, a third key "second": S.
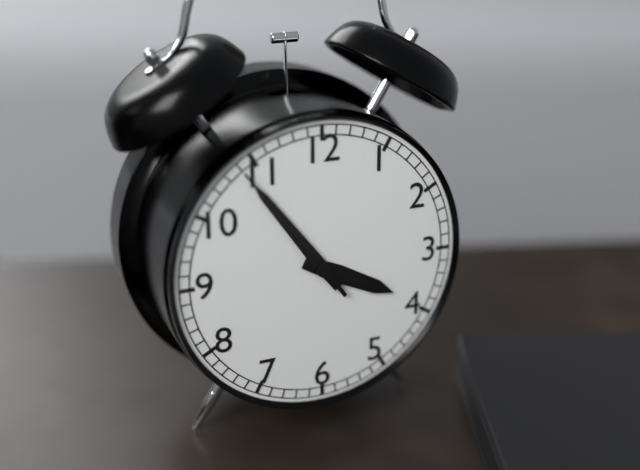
{"hour": 3, "minute": 54, "second": 54}
